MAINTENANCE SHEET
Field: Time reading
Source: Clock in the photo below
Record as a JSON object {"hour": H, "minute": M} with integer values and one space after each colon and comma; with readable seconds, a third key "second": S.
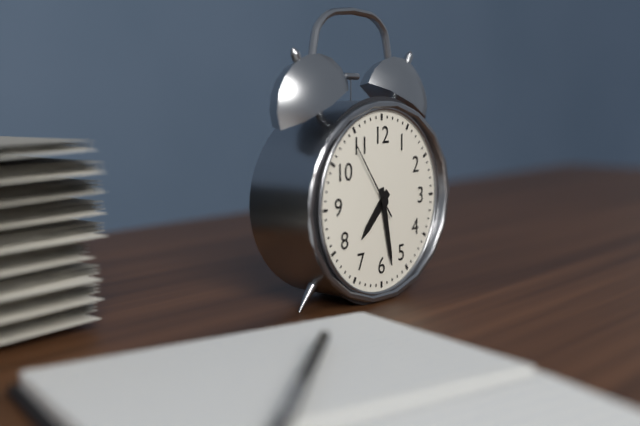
{"hour": 7, "minute": 28, "second": 54}
